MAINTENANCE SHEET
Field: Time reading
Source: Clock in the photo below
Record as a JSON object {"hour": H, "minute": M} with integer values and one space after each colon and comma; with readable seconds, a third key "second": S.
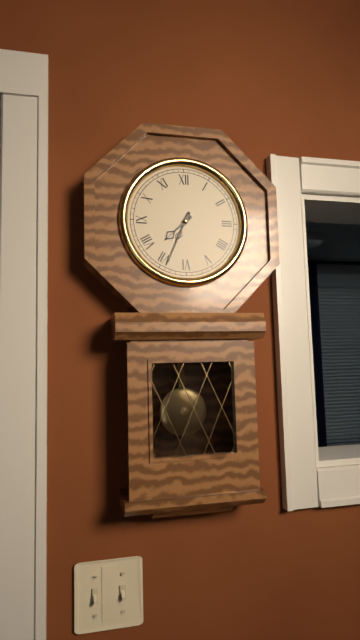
{"hour": 7, "minute": 34}
